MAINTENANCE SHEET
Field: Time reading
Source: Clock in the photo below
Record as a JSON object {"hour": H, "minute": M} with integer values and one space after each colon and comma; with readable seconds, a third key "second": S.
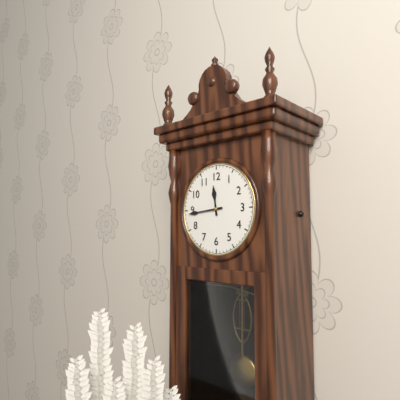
{"hour": 11, "minute": 44}
